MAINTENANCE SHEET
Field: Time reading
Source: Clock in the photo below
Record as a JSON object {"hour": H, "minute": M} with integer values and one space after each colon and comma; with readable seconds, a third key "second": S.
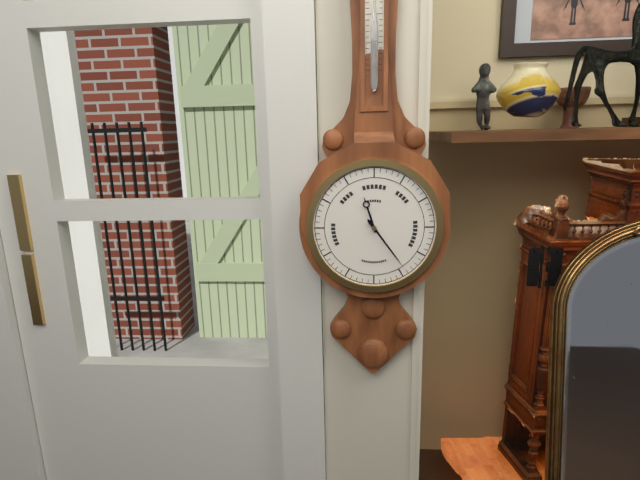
{"hour": 11, "minute": 24}
